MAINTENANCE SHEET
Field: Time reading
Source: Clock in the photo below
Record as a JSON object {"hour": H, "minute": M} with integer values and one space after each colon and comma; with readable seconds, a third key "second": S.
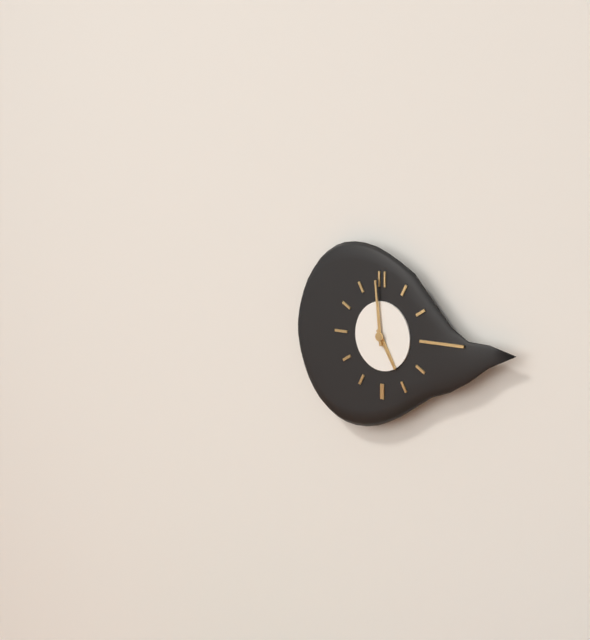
{"hour": 4, "minute": 59}
